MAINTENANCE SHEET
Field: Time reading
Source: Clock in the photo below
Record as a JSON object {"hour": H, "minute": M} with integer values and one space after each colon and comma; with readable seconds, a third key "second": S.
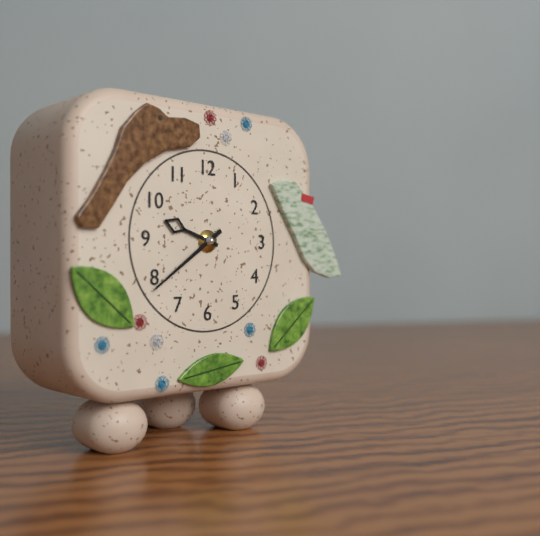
{"hour": 9, "minute": 39}
